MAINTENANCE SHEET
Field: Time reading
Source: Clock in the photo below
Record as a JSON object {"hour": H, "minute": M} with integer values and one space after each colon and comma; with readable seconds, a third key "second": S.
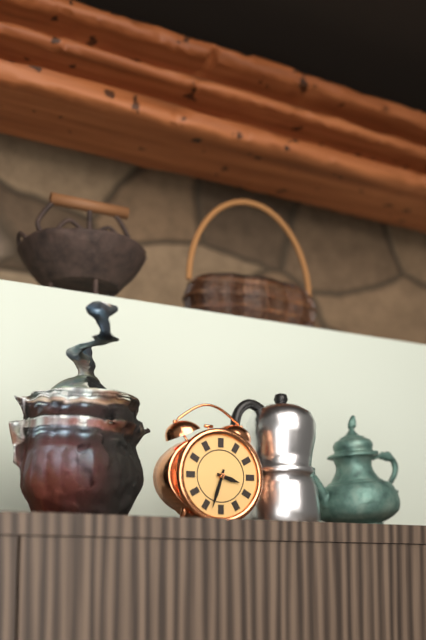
{"hour": 3, "minute": 33}
